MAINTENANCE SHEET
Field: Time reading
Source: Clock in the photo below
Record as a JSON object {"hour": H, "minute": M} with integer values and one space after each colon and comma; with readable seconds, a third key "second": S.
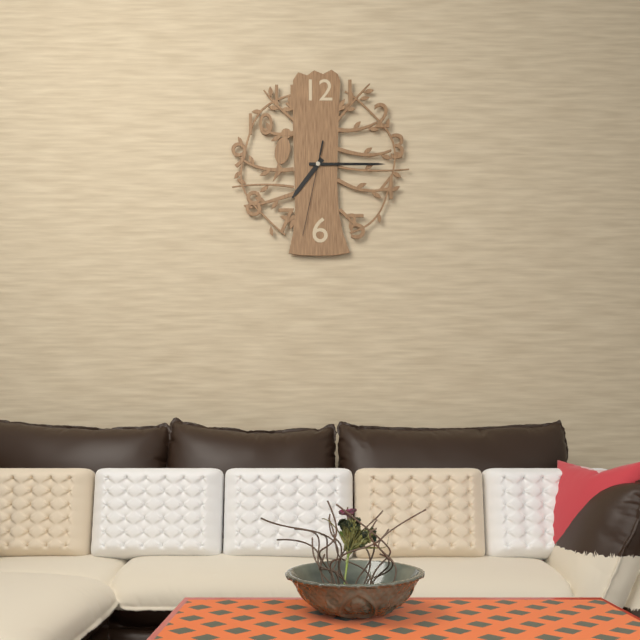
{"hour": 7, "minute": 15, "second": 32}
